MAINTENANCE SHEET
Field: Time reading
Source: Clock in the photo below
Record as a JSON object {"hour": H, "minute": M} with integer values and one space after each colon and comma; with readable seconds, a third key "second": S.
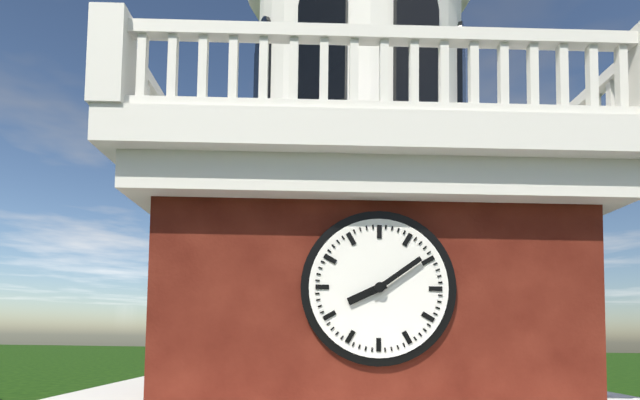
{"hour": 8, "minute": 9}
